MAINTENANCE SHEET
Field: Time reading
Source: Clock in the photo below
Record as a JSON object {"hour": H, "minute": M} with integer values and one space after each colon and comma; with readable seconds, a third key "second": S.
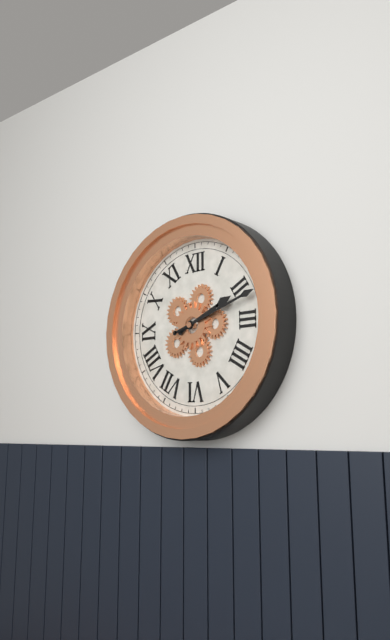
{"hour": 2, "minute": 12}
